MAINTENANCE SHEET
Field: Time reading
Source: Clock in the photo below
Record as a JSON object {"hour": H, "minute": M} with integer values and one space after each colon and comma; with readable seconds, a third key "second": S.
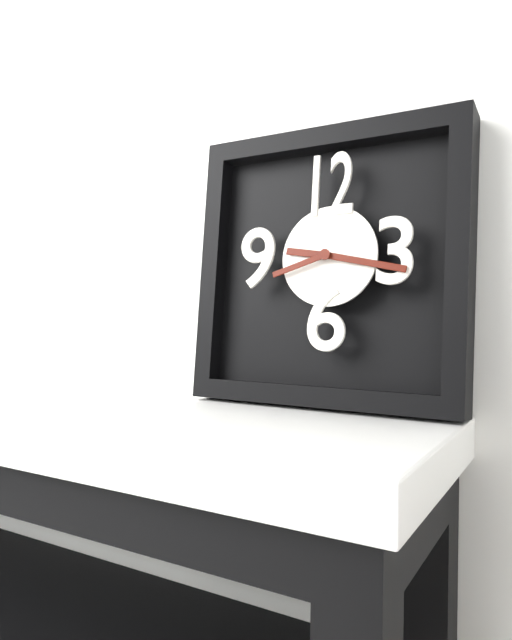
{"hour": 9, "minute": 17, "second": 42}
